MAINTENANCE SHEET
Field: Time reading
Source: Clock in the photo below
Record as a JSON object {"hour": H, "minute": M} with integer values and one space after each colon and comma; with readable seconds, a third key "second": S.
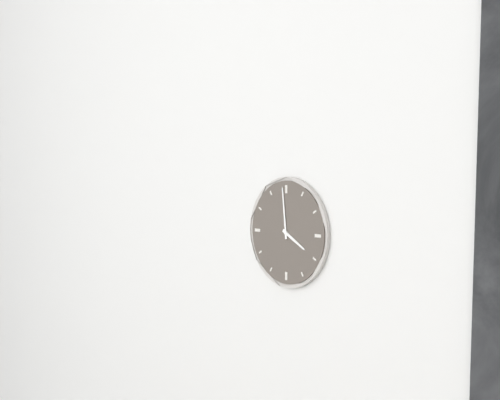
{"hour": 3, "minute": 59}
